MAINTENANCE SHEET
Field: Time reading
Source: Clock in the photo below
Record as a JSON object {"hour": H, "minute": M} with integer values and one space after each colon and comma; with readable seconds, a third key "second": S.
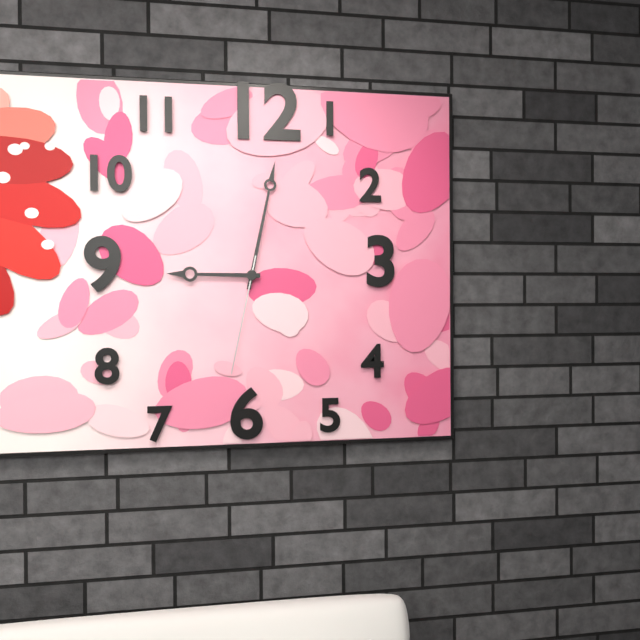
{"hour": 9, "minute": 2, "second": 32}
